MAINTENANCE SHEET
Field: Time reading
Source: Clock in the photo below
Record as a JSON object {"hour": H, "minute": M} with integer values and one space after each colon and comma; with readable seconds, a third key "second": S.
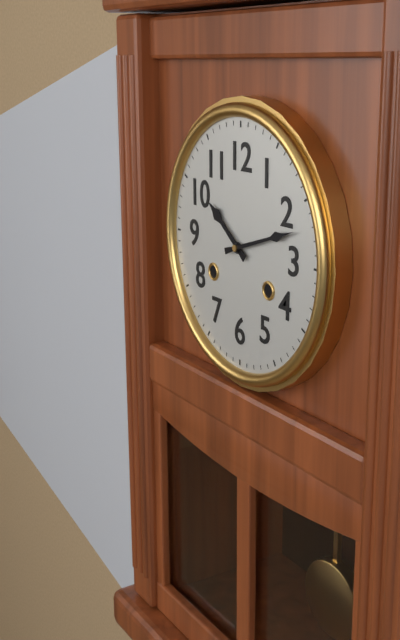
{"hour": 10, "minute": 12}
